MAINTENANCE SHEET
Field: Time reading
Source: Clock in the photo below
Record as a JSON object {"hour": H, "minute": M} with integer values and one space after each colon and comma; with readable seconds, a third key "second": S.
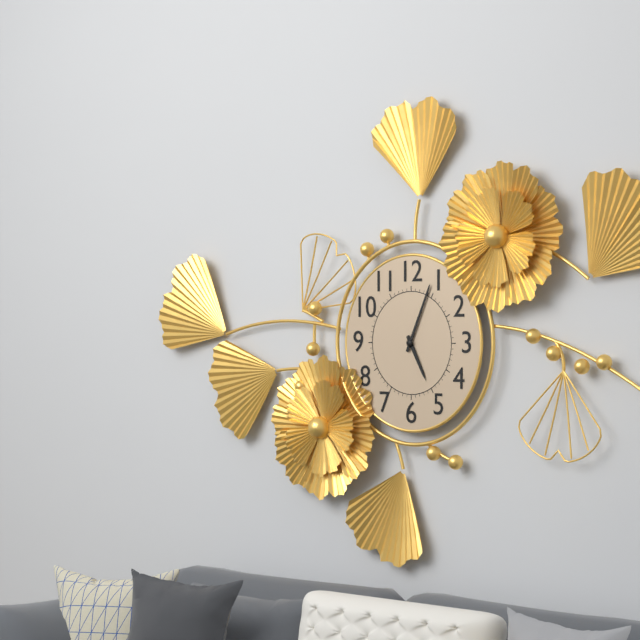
{"hour": 5, "minute": 4}
